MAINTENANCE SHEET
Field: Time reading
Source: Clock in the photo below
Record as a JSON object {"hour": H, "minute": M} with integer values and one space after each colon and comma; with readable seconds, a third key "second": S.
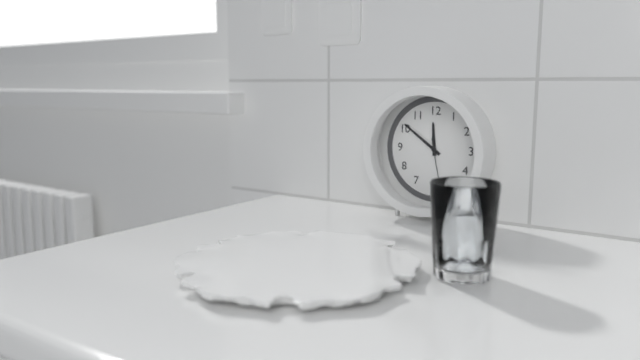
{"hour": 11, "minute": 51, "second": 28}
